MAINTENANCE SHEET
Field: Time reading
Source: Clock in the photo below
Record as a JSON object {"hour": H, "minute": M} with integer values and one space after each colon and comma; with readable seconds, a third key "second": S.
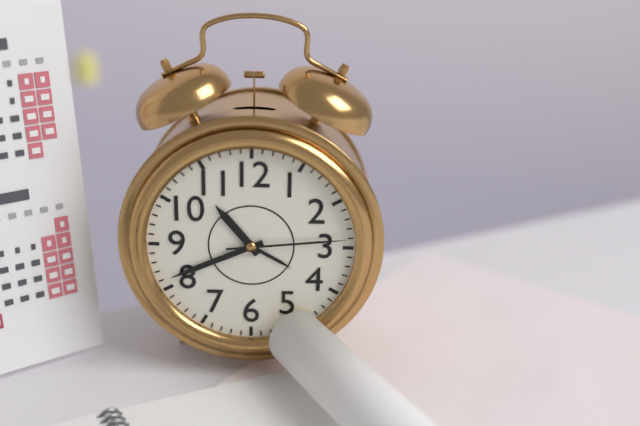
{"hour": 10, "minute": 41, "second": 14}
